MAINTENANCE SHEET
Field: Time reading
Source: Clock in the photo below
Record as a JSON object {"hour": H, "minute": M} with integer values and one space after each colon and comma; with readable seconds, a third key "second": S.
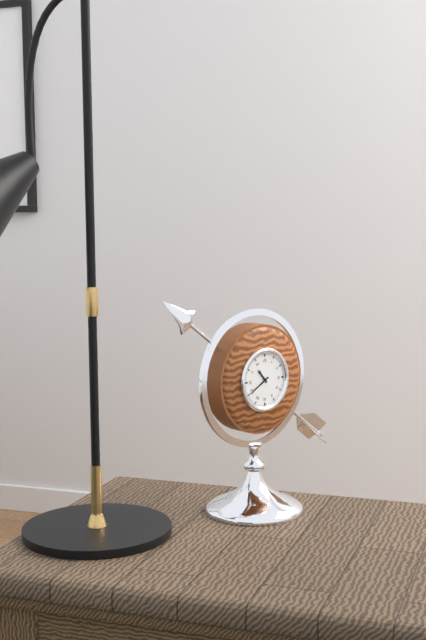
{"hour": 10, "minute": 40}
